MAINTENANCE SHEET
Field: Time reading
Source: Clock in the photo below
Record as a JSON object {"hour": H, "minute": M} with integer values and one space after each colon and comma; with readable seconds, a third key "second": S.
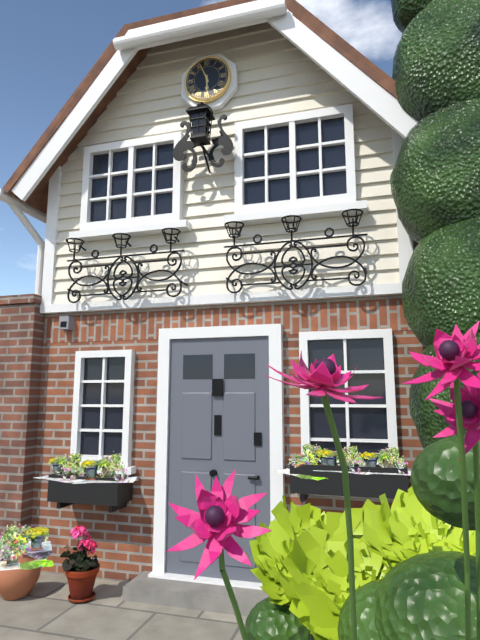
{"hour": 5, "minute": 56}
